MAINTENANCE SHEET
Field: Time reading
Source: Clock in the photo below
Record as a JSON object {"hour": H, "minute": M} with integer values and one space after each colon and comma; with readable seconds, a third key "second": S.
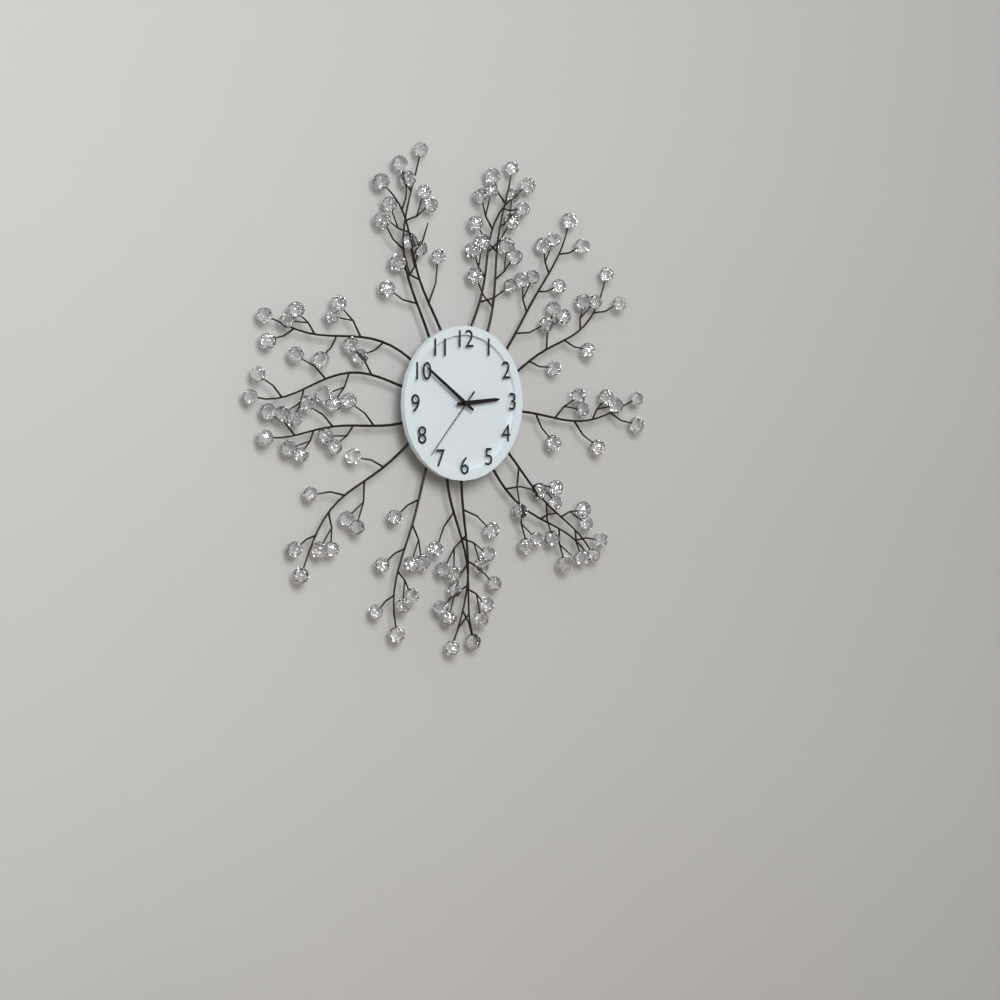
{"hour": 2, "minute": 51, "second": 37}
